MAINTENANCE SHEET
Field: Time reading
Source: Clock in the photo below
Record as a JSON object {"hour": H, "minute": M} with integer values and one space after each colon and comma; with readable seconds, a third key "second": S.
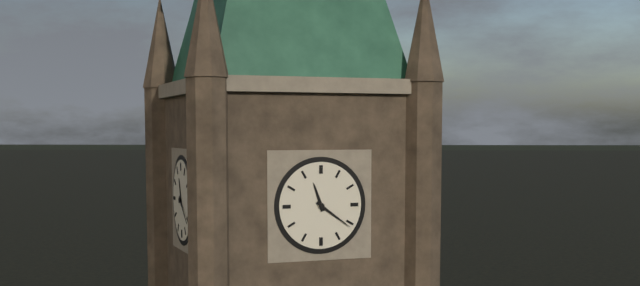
{"hour": 11, "minute": 21}
